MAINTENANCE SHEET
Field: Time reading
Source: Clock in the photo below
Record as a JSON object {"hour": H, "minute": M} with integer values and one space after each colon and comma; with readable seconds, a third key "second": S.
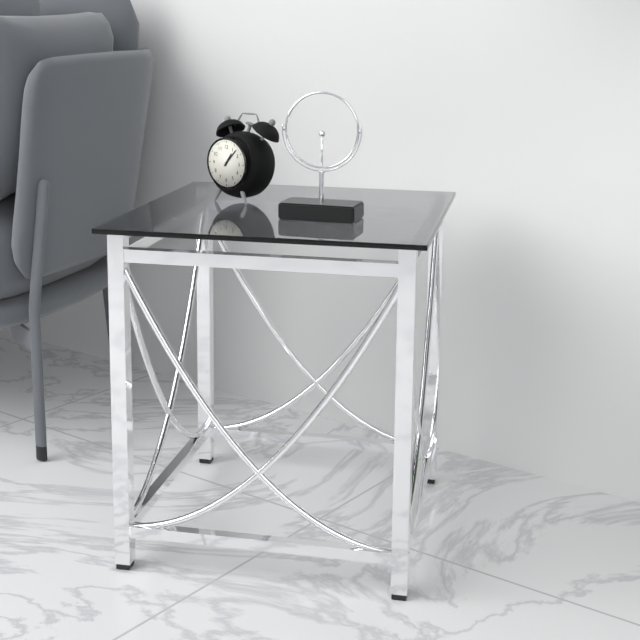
{"hour": 1, "minute": 7}
